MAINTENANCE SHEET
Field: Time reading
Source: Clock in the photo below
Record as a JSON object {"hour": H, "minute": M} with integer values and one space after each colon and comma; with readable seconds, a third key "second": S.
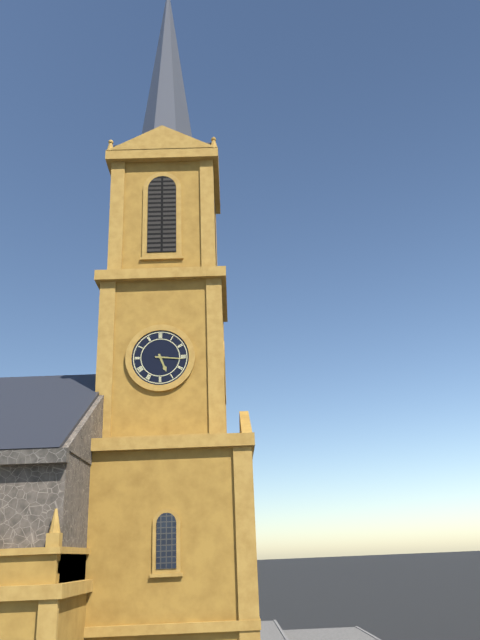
{"hour": 5, "minute": 16}
